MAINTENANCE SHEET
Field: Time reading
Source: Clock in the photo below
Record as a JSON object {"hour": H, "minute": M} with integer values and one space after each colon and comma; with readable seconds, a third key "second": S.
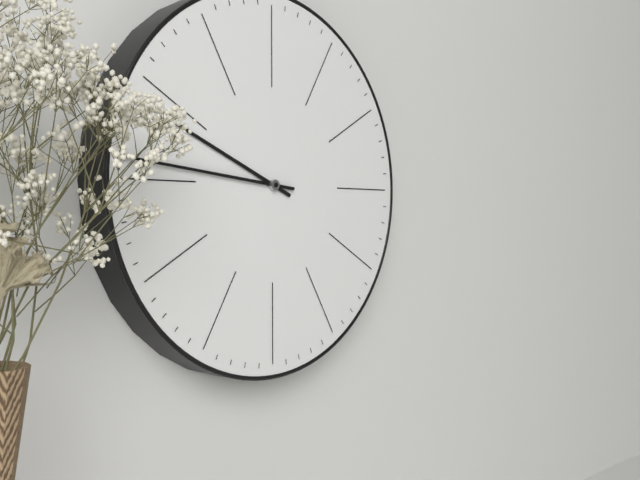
{"hour": 9, "minute": 46}
